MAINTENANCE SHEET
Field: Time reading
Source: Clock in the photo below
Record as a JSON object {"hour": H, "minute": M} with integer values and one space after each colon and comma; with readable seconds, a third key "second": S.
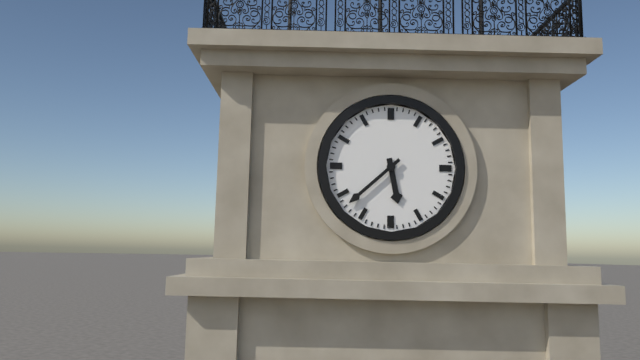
{"hour": 5, "minute": 38}
